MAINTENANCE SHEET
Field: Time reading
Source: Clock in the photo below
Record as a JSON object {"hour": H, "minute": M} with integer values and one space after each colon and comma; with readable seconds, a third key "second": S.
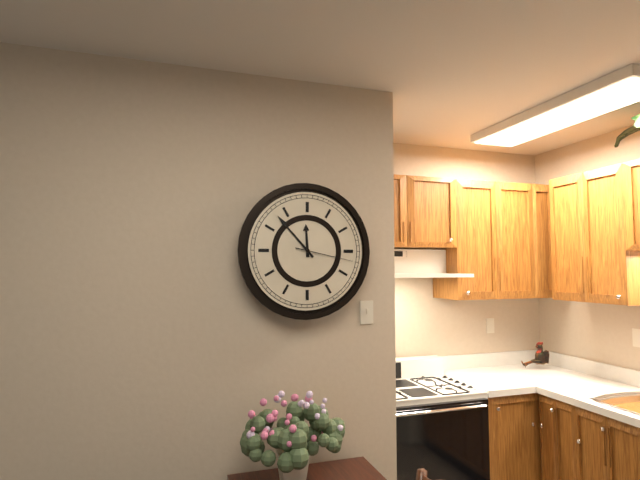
{"hour": 11, "minute": 53, "second": 17}
